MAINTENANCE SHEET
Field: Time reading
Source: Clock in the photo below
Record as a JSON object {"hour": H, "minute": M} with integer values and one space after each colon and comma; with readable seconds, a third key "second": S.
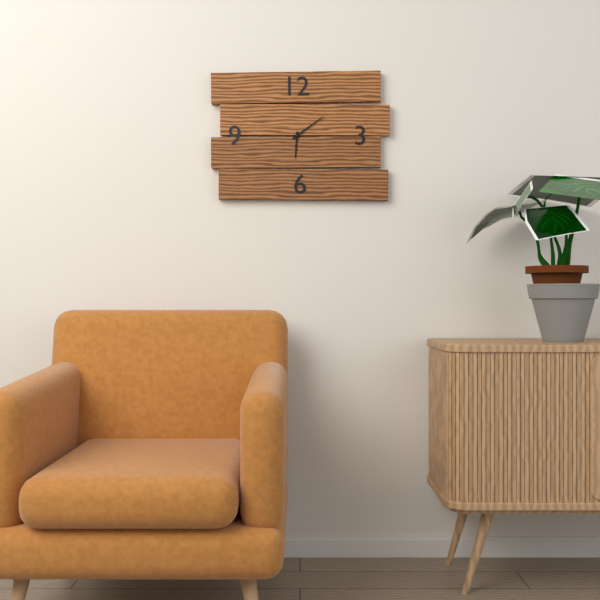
{"hour": 6, "minute": 9}
